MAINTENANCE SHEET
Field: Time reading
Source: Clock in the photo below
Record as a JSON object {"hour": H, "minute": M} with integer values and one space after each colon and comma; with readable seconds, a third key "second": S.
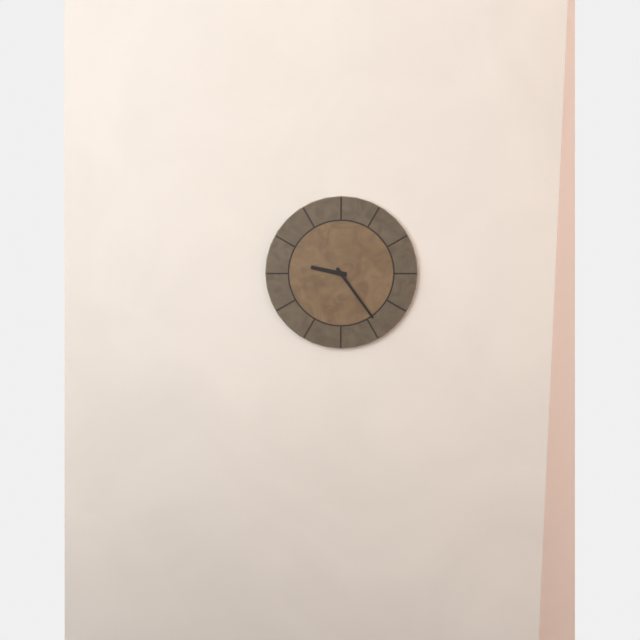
{"hour": 9, "minute": 24}
